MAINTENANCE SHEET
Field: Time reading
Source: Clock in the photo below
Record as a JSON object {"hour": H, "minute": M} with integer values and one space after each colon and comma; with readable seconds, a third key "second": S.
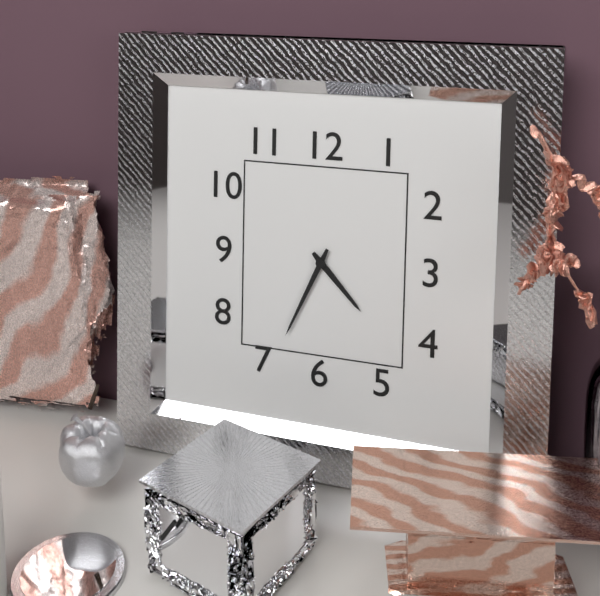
{"hour": 4, "minute": 34}
